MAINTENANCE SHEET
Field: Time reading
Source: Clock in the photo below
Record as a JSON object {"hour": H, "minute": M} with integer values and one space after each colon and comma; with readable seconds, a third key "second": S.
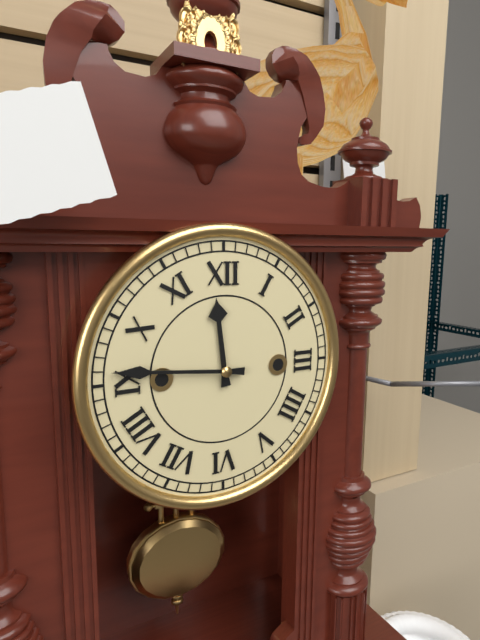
{"hour": 11, "minute": 46}
